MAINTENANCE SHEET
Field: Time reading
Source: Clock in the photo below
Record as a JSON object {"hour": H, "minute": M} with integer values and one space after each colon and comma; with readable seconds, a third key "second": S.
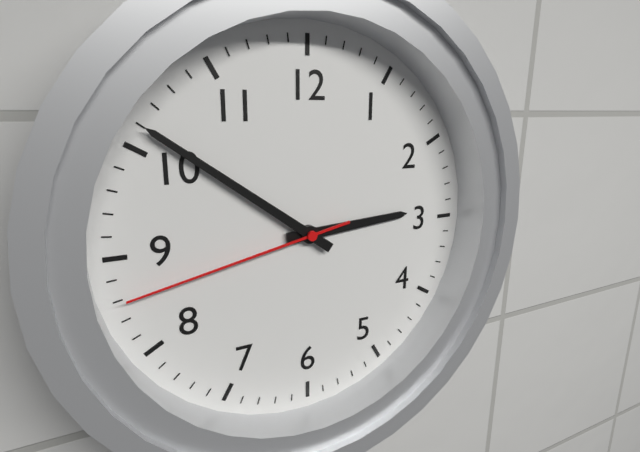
{"hour": 2, "minute": 51, "second": 43}
